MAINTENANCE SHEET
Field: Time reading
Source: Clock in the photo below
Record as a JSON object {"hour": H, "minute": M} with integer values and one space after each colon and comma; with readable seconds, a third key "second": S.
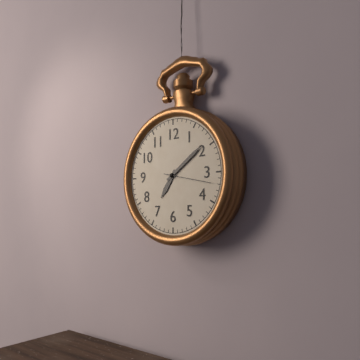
{"hour": 7, "minute": 9, "second": 17}
